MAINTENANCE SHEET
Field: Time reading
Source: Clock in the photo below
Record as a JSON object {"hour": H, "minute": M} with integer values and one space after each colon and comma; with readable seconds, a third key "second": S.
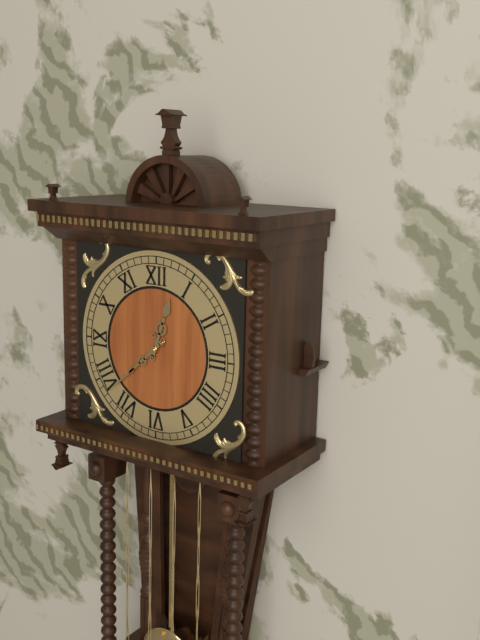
{"hour": 12, "minute": 38}
